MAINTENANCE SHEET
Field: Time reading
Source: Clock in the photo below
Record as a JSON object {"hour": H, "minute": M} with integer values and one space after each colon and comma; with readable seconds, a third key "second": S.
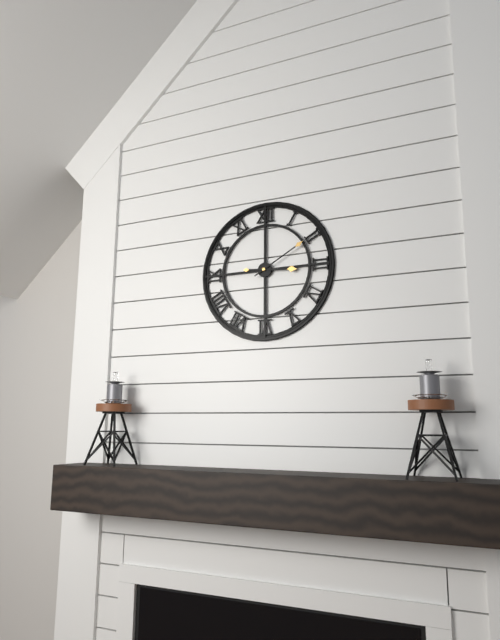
{"hour": 3, "minute": 10}
